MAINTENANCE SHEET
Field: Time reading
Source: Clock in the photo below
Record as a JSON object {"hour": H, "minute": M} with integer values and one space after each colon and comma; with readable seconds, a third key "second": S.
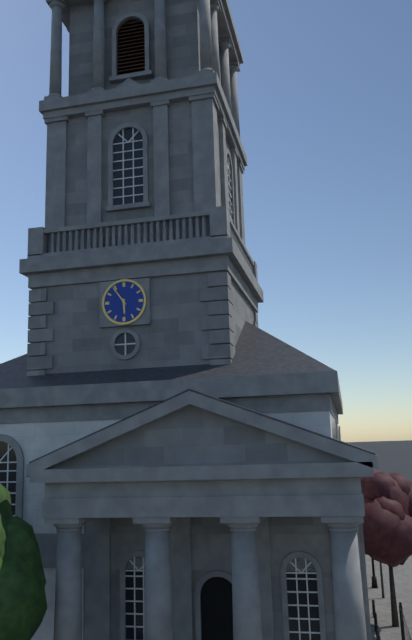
{"hour": 5, "minute": 54}
